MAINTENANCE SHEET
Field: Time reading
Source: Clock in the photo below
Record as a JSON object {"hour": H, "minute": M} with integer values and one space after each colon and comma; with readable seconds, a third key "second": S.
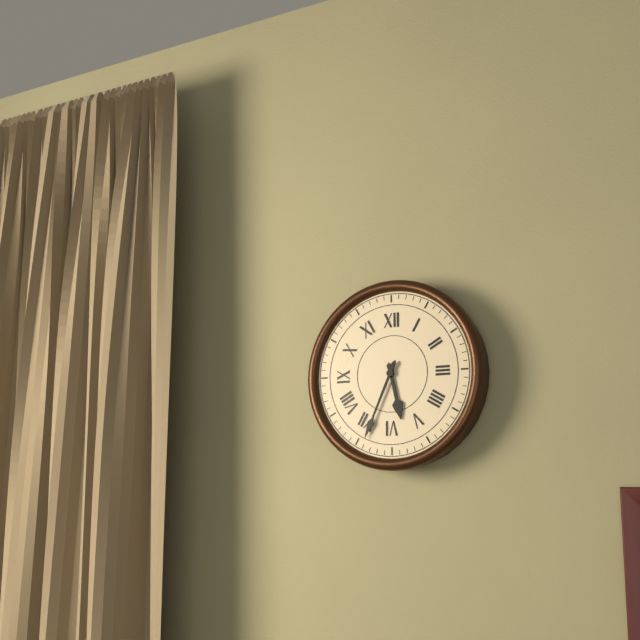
{"hour": 5, "minute": 34}
